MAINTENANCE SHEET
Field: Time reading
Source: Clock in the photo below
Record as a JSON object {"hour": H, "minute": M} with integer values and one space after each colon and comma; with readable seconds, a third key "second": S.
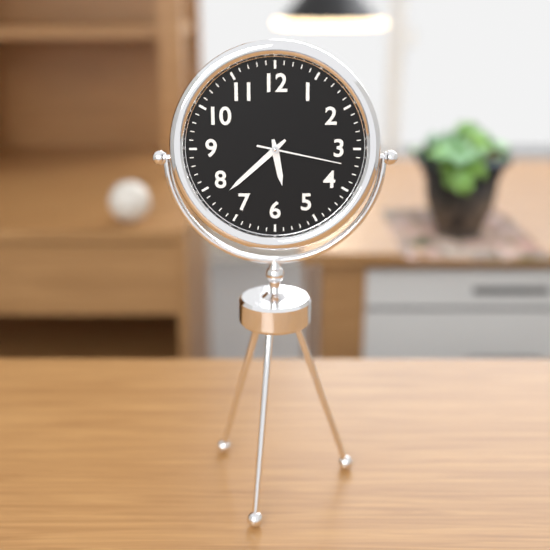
{"hour": 5, "minute": 38, "second": 17}
